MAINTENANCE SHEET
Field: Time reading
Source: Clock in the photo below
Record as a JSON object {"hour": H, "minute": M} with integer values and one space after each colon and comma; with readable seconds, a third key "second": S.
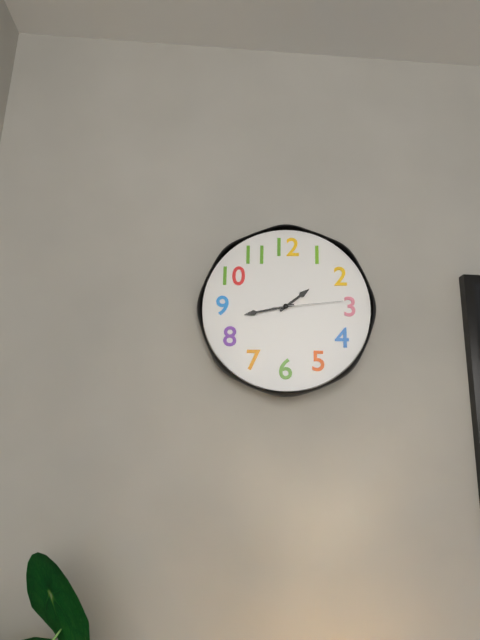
{"hour": 1, "minute": 43, "second": 14}
